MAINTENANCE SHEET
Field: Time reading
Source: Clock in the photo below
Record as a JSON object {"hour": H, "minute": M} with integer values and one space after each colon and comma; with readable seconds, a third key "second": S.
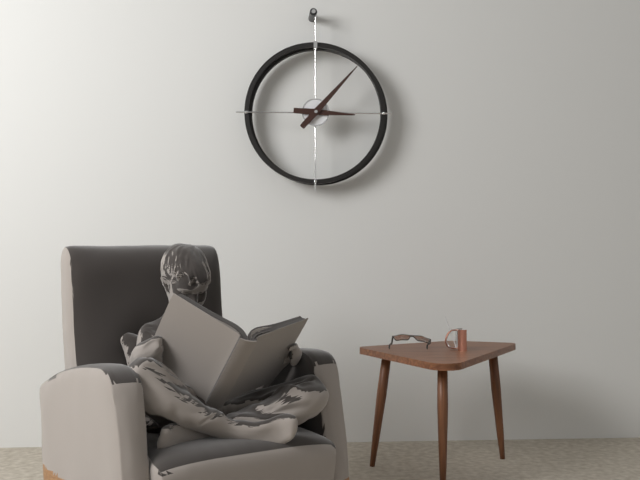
{"hour": 3, "minute": 7}
